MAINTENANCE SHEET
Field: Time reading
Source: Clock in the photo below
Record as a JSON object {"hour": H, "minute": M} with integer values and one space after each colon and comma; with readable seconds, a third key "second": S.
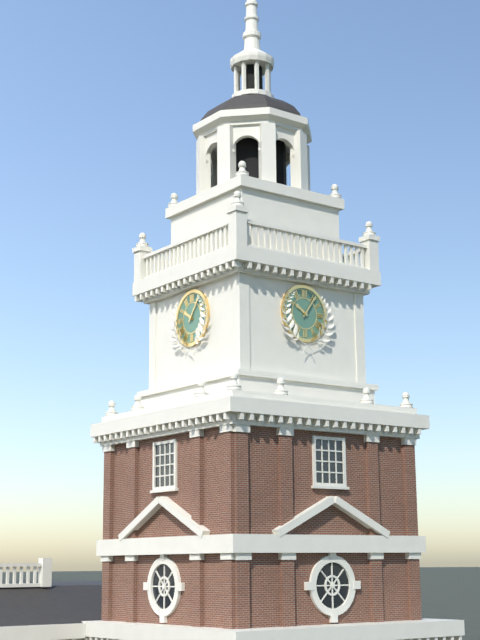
{"hour": 10, "minute": 6}
